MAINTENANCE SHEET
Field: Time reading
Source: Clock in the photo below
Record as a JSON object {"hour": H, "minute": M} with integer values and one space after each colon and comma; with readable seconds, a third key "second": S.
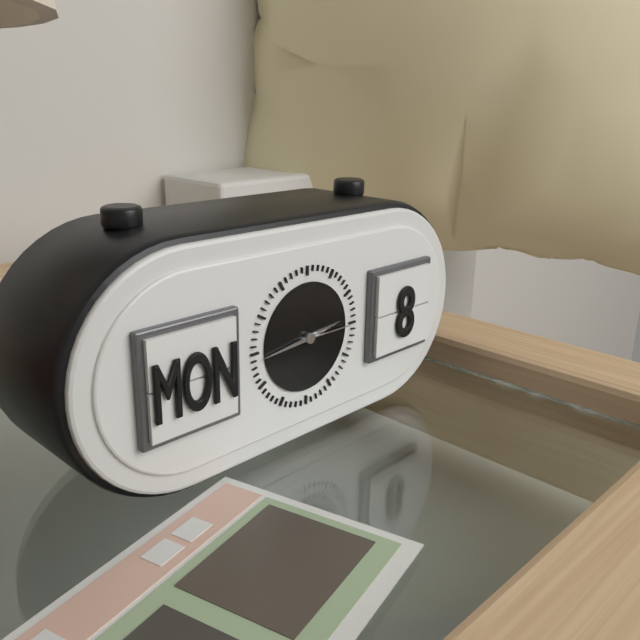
{"hour": 2, "minute": 44, "second": 15}
